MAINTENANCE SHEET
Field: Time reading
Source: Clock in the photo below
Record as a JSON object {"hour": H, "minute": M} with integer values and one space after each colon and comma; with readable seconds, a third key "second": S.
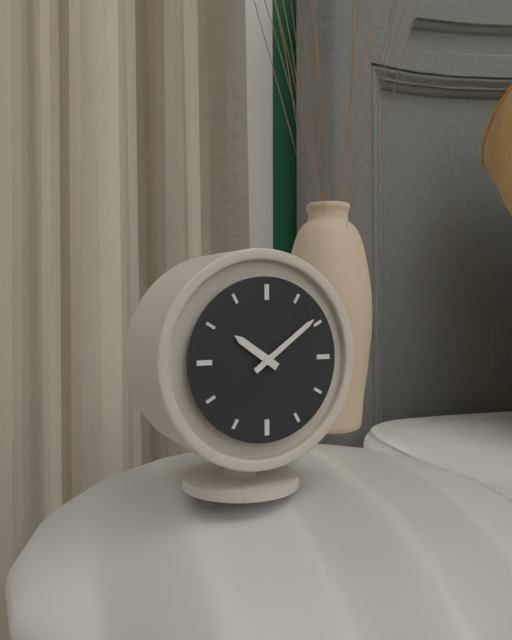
{"hour": 10, "minute": 9}
